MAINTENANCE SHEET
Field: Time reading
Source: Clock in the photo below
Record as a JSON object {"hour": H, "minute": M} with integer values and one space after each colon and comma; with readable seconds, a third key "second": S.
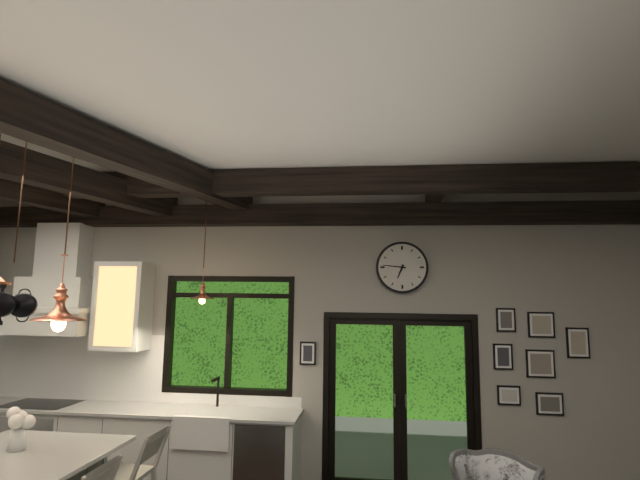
{"hour": 6, "minute": 46}
